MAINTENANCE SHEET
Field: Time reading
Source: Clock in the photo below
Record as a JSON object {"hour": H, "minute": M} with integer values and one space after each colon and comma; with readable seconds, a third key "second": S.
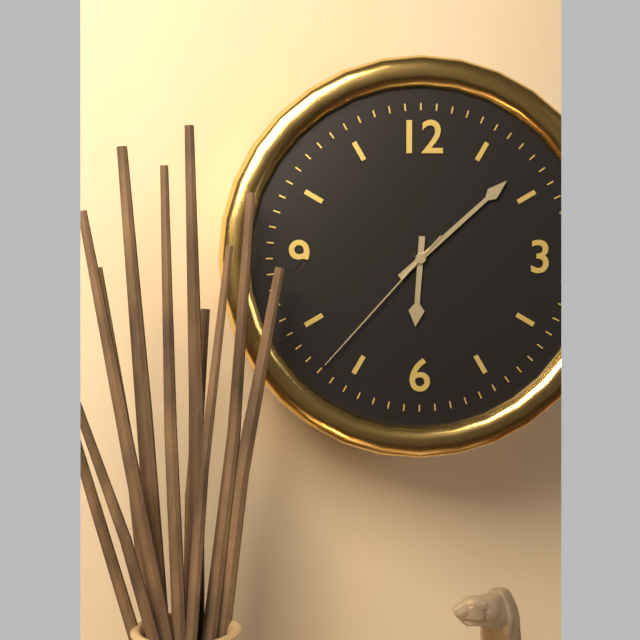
{"hour": 6, "minute": 8, "second": 37}
